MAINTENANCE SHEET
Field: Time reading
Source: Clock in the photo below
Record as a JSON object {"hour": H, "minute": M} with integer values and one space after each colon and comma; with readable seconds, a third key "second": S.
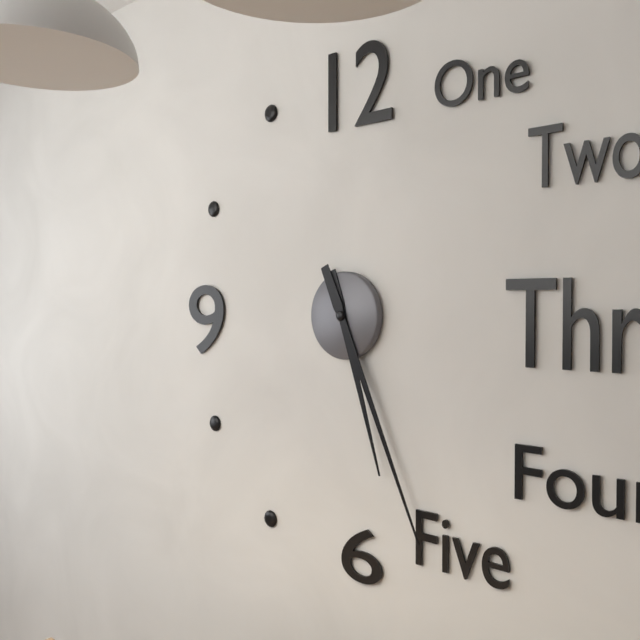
{"hour": 5, "minute": 26}
